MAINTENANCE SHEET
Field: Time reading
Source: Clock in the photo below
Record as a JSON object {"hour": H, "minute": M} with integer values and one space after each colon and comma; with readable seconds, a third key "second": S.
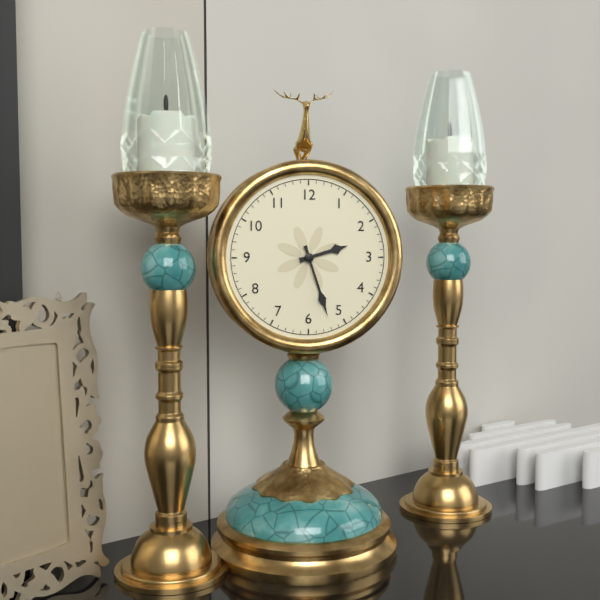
{"hour": 2, "minute": 27}
